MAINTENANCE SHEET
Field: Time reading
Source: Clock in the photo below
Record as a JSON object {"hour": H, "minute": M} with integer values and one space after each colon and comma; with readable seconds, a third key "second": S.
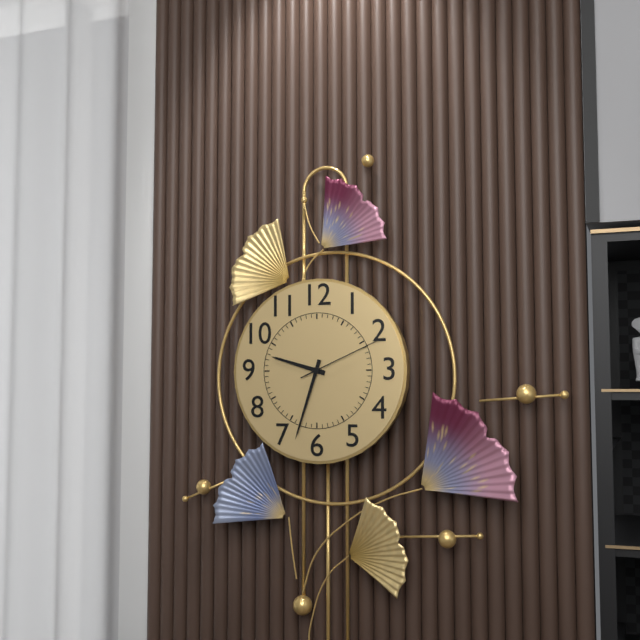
{"hour": 9, "minute": 33, "second": 11}
